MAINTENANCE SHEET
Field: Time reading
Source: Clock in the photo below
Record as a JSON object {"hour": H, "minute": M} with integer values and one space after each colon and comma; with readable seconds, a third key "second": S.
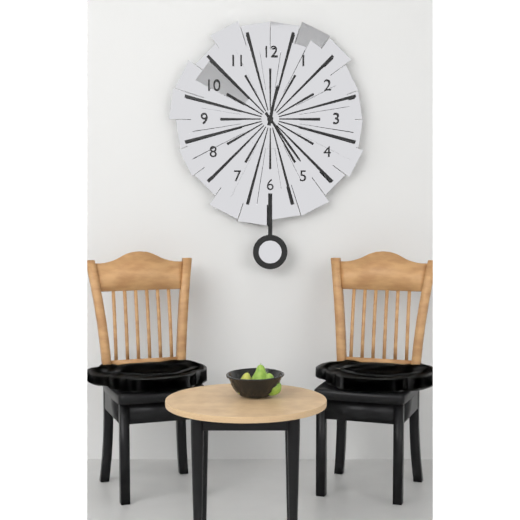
{"hour": 12, "minute": 24}
